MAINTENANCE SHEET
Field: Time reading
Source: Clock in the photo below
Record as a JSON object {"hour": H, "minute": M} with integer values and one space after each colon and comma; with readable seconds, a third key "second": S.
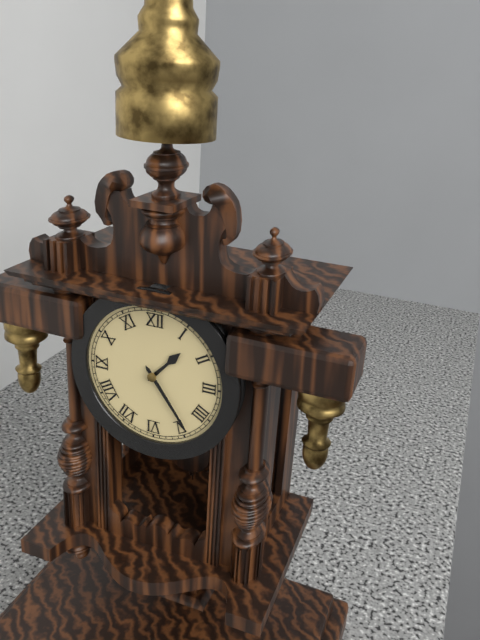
{"hour": 1, "minute": 24}
